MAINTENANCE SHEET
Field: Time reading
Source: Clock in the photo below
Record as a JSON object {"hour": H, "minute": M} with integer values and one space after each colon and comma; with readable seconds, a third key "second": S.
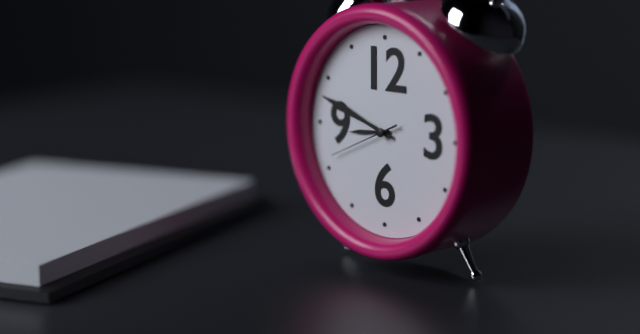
{"hour": 8, "minute": 48, "second": 41}
